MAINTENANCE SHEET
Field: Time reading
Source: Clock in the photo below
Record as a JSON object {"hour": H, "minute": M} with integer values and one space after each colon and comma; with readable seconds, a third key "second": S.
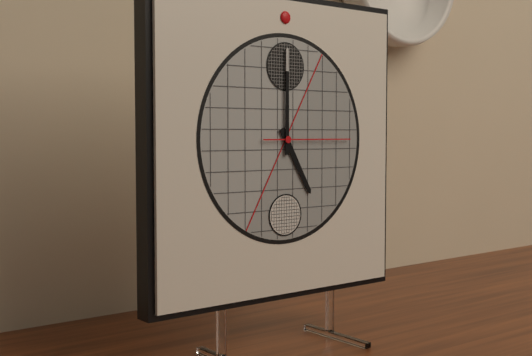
{"hour": 5, "minute": 0, "second": 15}
